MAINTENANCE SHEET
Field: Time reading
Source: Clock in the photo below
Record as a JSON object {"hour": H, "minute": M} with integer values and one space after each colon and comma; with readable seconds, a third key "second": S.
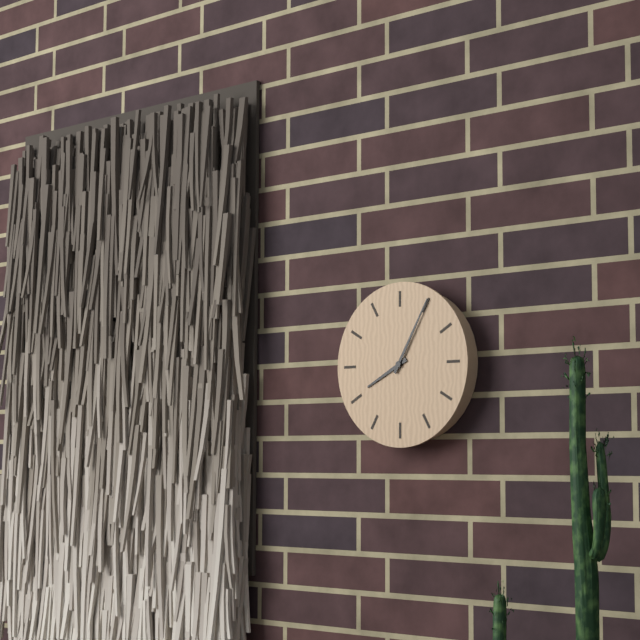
{"hour": 8, "minute": 5}
